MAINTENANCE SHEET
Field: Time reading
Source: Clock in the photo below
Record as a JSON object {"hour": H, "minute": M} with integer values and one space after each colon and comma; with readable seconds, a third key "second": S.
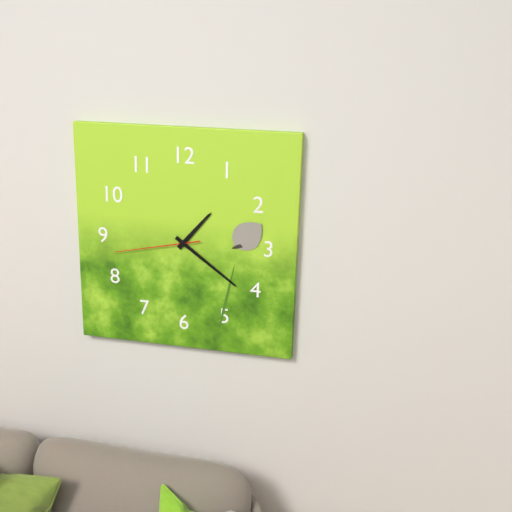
{"hour": 1, "minute": 21, "second": 43}
